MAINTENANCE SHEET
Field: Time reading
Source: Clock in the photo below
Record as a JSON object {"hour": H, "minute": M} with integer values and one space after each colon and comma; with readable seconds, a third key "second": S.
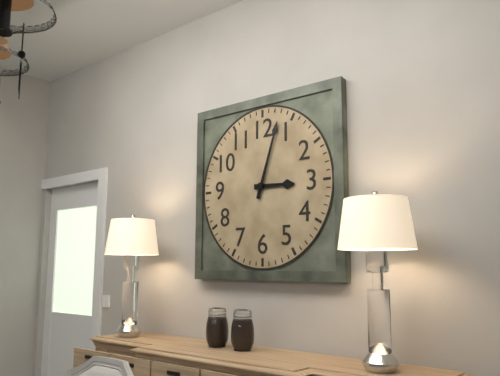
{"hour": 3, "minute": 3}
